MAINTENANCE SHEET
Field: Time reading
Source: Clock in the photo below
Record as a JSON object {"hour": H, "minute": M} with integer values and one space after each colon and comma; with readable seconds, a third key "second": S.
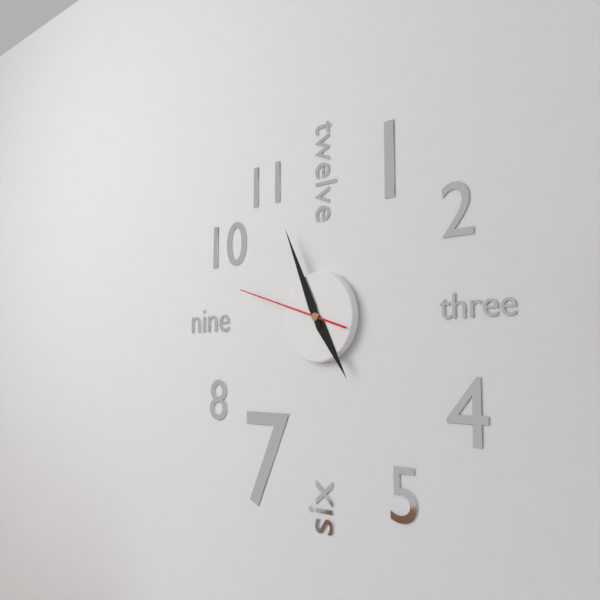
{"hour": 4, "minute": 56, "second": 48}
